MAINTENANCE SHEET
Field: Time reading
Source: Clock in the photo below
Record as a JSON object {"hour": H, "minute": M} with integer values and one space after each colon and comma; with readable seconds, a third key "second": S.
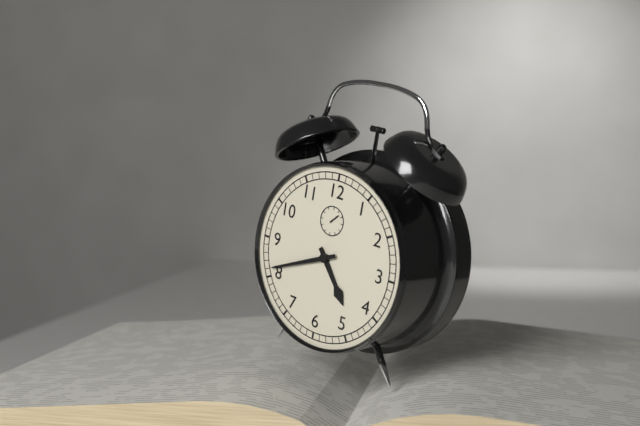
{"hour": 4, "minute": 41}
